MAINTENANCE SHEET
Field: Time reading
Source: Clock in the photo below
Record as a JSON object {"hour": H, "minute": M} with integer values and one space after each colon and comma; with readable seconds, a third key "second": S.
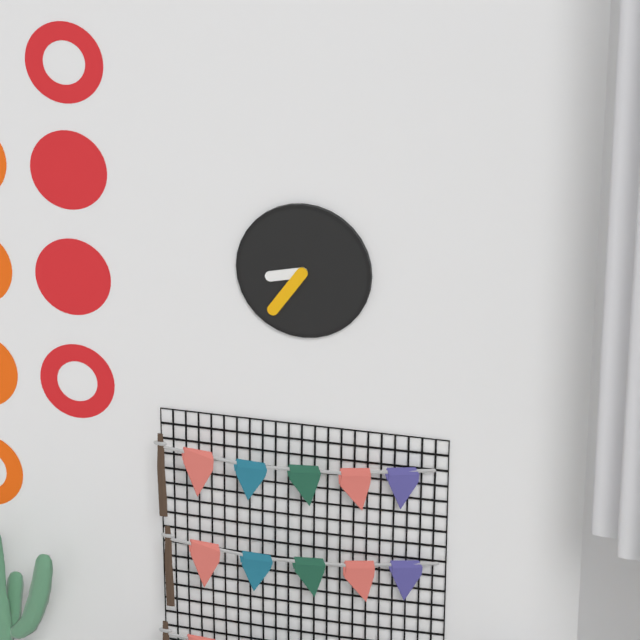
{"hour": 8, "minute": 36}
